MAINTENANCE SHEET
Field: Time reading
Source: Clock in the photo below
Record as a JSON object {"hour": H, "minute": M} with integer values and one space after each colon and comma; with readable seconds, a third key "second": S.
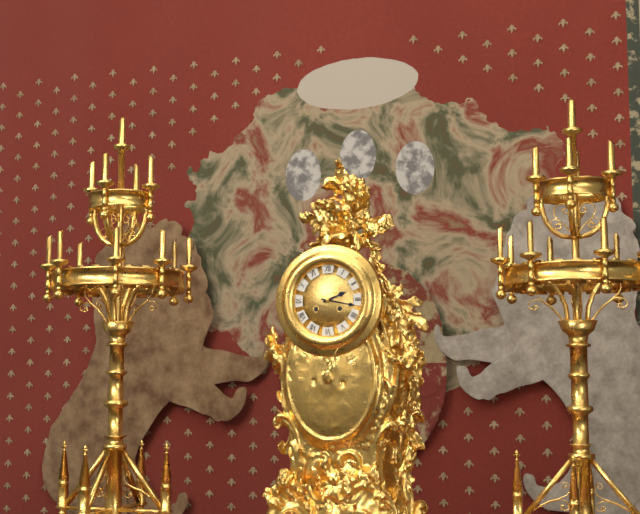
{"hour": 2, "minute": 17}
